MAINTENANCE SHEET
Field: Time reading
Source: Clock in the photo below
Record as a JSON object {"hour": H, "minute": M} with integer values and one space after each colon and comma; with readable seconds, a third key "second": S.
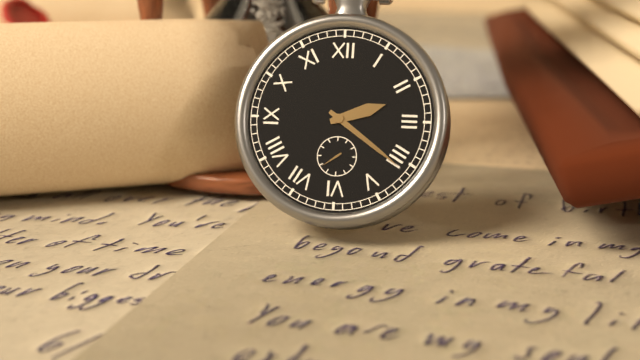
{"hour": 2, "minute": 21}
